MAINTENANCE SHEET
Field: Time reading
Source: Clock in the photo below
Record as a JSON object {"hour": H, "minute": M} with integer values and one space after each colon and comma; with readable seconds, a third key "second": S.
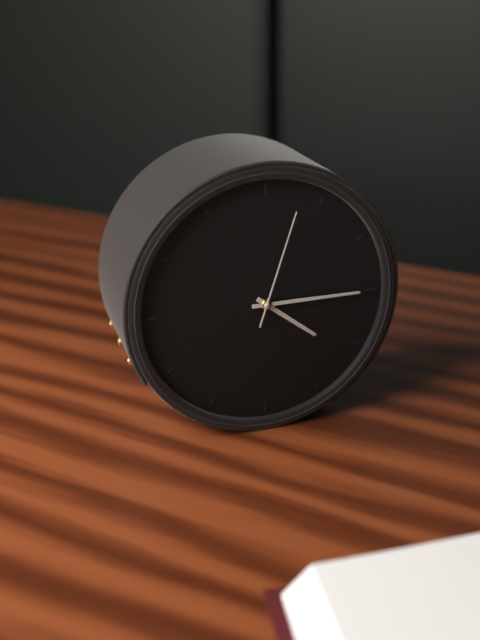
{"hour": 4, "minute": 15, "second": 3}
